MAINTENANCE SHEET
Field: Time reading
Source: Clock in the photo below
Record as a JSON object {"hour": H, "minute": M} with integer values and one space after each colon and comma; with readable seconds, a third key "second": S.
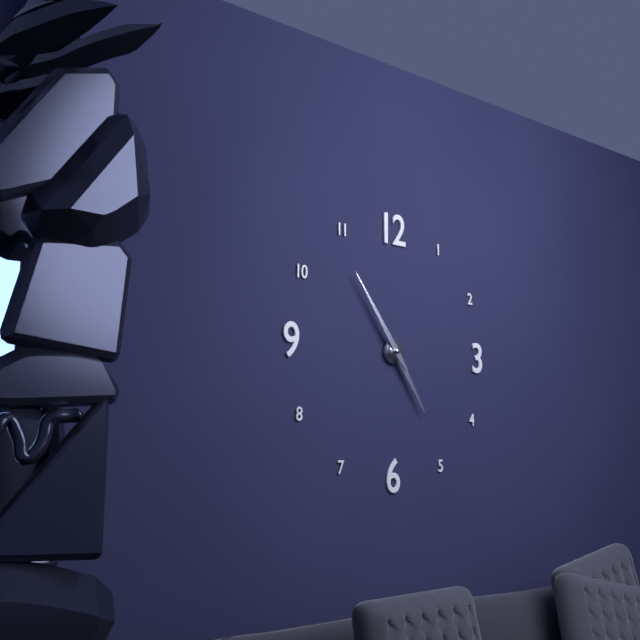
{"hour": 4, "minute": 54}
